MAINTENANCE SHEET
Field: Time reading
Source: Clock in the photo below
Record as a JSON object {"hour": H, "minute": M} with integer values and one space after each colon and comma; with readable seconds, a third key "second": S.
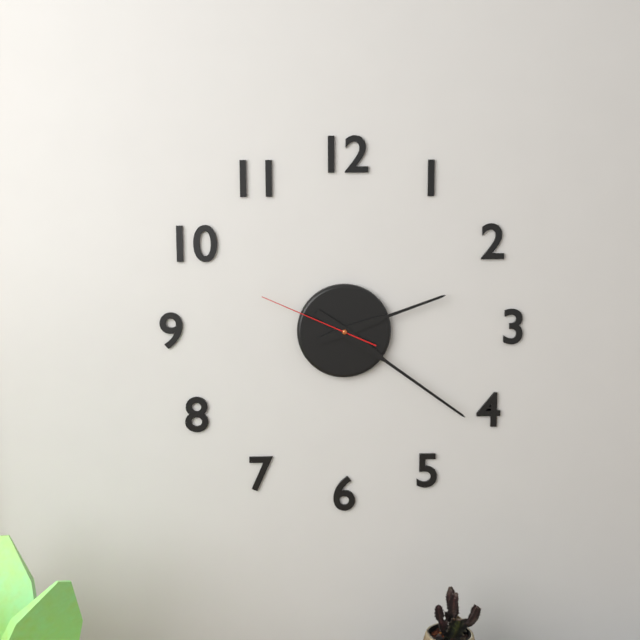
{"hour": 2, "minute": 21, "second": 49}
